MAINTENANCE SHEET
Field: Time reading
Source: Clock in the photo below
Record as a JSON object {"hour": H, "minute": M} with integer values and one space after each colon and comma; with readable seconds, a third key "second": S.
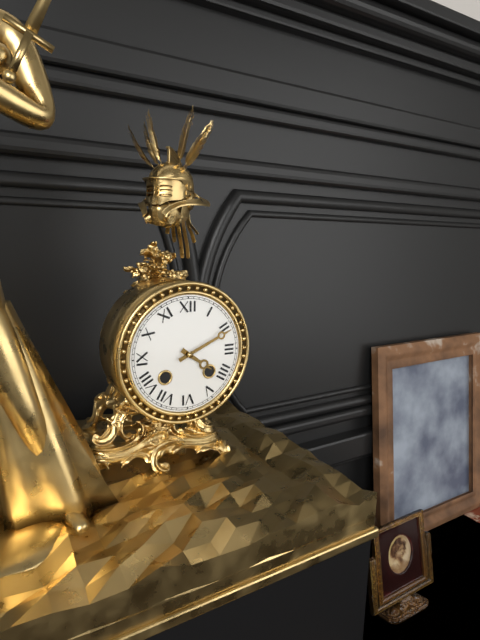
{"hour": 4, "minute": 11}
